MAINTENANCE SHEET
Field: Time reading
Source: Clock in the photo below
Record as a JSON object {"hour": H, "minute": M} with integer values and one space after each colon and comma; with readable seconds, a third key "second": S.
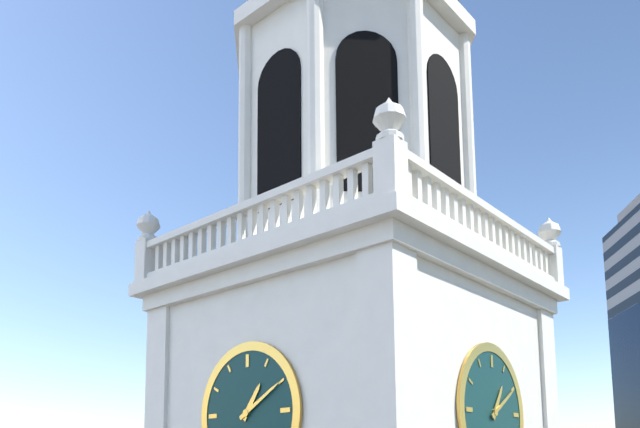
{"hour": 1, "minute": 10}
